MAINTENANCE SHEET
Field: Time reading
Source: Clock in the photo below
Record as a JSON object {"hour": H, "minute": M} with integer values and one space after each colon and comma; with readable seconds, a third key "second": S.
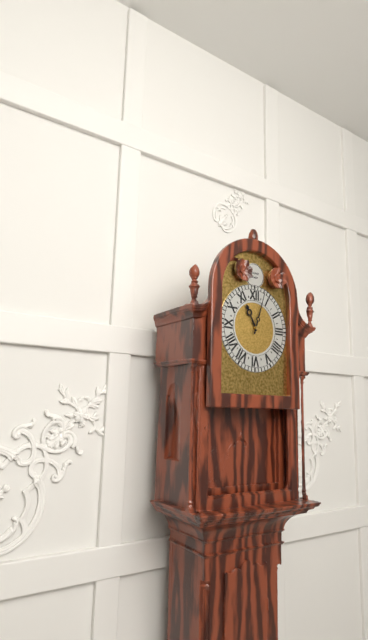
{"hour": 11, "minute": 3}
